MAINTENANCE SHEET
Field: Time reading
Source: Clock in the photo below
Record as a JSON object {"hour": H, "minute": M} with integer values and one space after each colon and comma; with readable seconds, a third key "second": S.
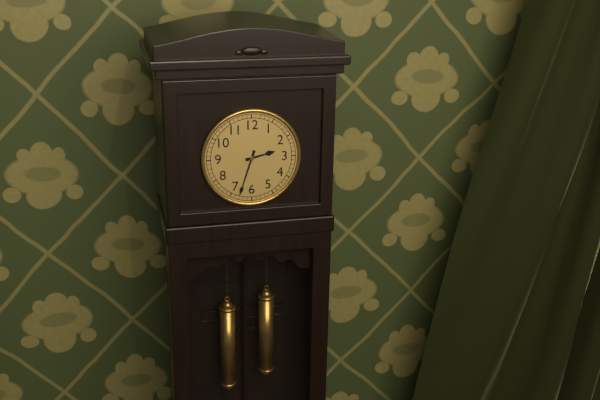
{"hour": 2, "minute": 33}
